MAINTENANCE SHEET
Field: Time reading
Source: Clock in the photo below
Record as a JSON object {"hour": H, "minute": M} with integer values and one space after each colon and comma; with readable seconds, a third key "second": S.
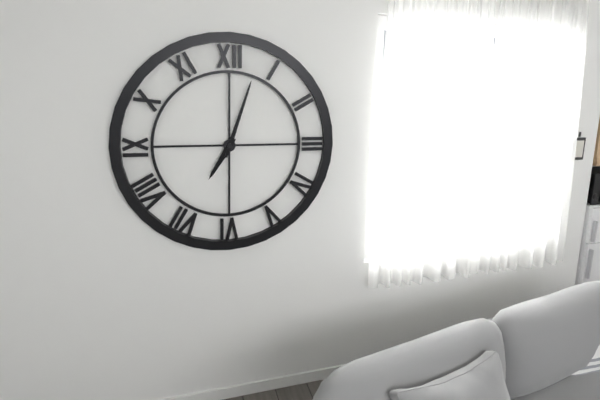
{"hour": 7, "minute": 3}
